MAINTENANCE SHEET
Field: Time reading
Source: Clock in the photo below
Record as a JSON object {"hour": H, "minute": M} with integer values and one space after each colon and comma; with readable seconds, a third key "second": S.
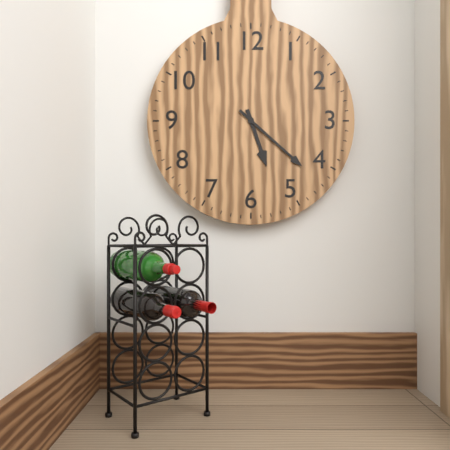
{"hour": 5, "minute": 22}
